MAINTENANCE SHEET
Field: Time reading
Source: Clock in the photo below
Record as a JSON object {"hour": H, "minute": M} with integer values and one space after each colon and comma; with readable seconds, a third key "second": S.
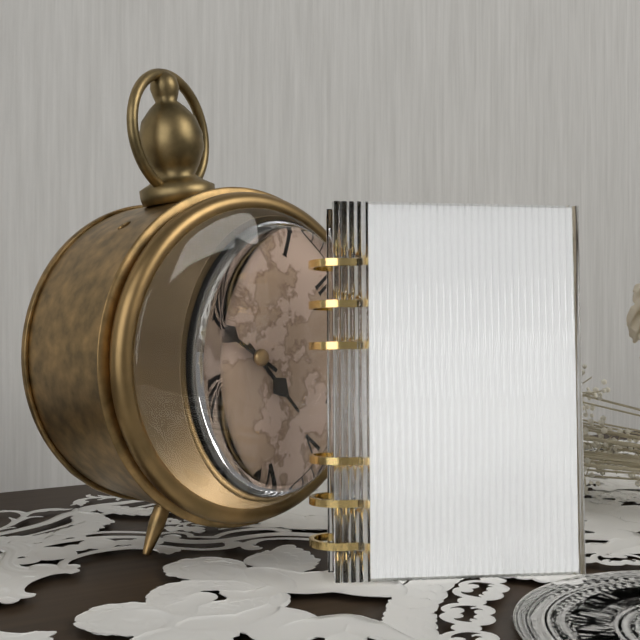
{"hour": 4, "minute": 52}
